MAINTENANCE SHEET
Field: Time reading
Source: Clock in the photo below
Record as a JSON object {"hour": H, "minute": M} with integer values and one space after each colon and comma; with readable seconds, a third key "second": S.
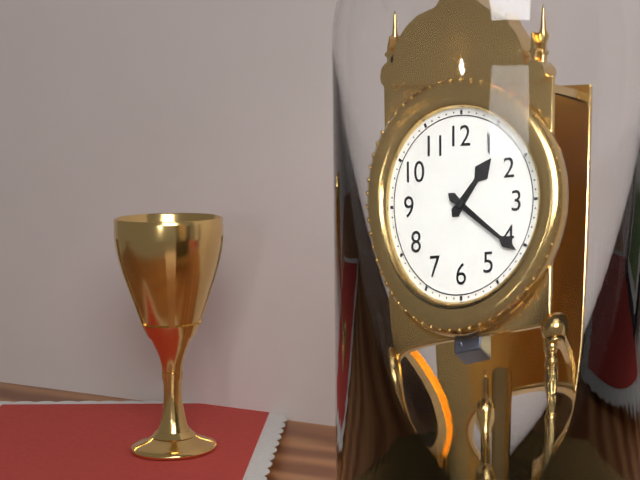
{"hour": 1, "minute": 21}
